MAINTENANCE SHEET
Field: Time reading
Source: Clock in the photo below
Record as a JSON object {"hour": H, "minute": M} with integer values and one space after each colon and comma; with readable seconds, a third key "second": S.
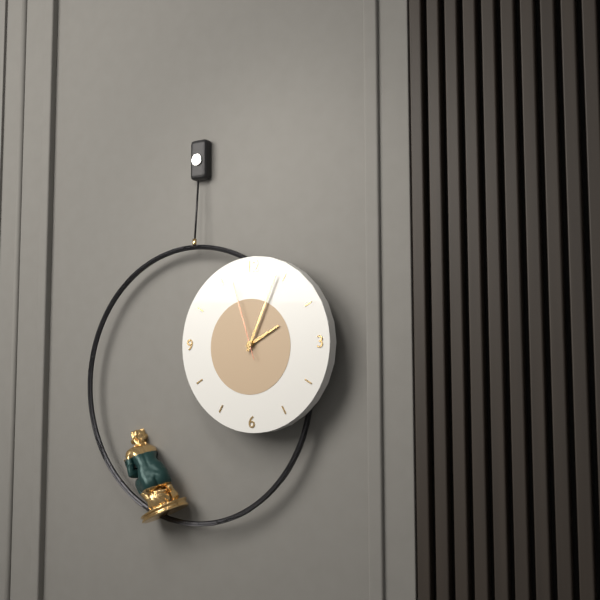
{"hour": 2, "minute": 4, "second": 57}
